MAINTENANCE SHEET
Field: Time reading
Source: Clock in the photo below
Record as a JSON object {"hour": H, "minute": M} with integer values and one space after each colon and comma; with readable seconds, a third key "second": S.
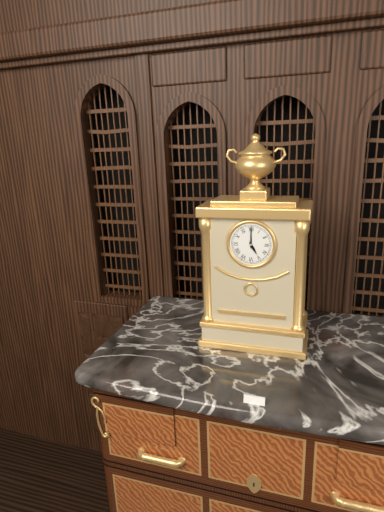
{"hour": 5, "minute": 0}
